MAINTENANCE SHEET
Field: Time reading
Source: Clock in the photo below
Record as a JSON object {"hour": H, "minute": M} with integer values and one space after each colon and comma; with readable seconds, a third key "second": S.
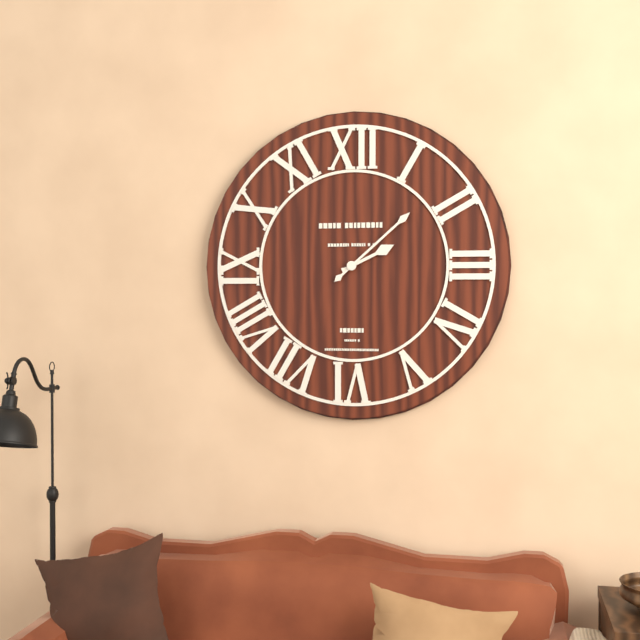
{"hour": 2, "minute": 8}
